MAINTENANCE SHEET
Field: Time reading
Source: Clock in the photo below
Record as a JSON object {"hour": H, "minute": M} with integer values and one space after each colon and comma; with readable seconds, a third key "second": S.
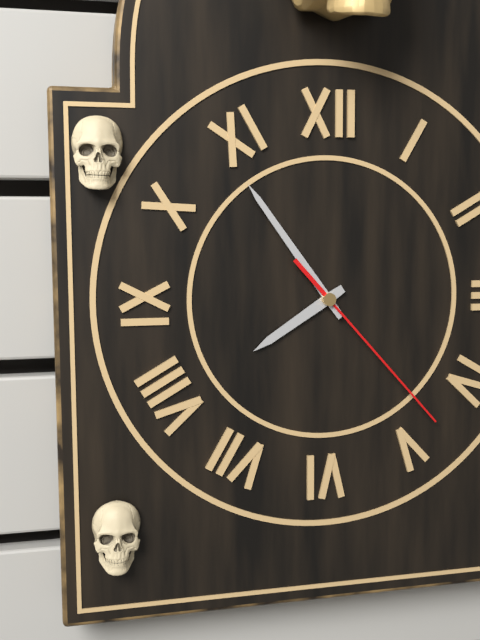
{"hour": 7, "minute": 54, "second": 23}
